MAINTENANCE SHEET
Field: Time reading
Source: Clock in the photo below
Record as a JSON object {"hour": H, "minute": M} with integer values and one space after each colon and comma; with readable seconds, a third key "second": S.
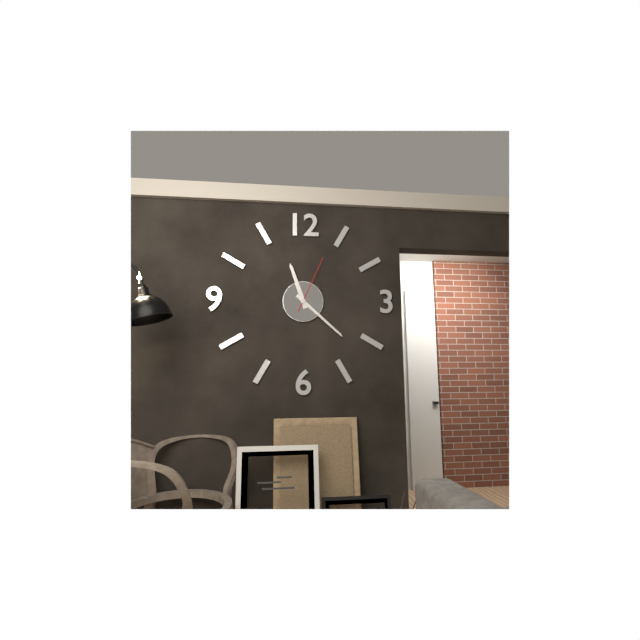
{"hour": 11, "minute": 22, "second": 4}
